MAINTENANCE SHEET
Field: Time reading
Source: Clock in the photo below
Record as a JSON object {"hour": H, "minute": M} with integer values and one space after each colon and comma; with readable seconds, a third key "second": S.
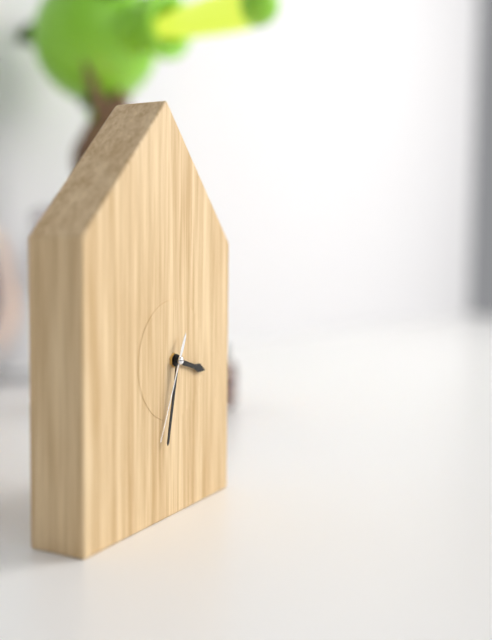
{"hour": 3, "minute": 32, "second": 34}
